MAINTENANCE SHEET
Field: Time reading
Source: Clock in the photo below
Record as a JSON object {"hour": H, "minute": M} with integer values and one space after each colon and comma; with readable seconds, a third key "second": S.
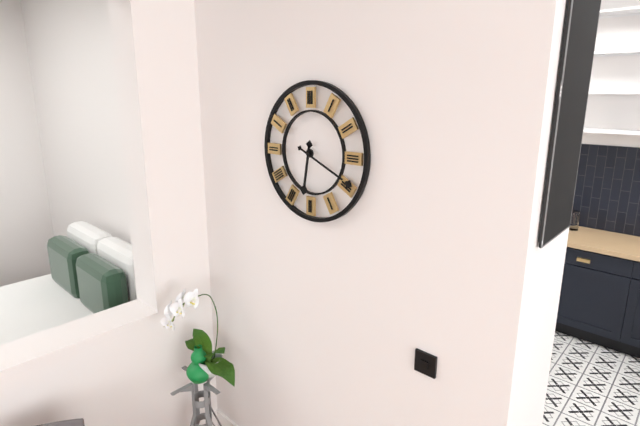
{"hour": 6, "minute": 19}
